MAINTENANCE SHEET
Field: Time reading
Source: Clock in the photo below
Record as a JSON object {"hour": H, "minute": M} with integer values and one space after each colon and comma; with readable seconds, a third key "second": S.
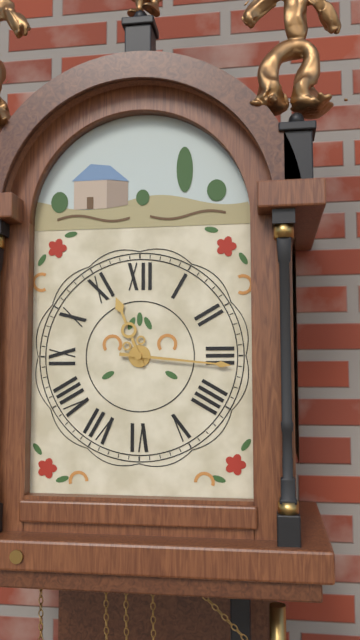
{"hour": 11, "minute": 16}
